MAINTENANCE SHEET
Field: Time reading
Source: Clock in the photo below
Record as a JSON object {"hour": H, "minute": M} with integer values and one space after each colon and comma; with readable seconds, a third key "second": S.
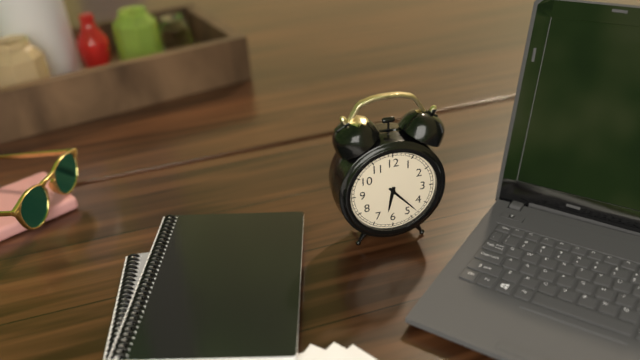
{"hour": 6, "minute": 23}
